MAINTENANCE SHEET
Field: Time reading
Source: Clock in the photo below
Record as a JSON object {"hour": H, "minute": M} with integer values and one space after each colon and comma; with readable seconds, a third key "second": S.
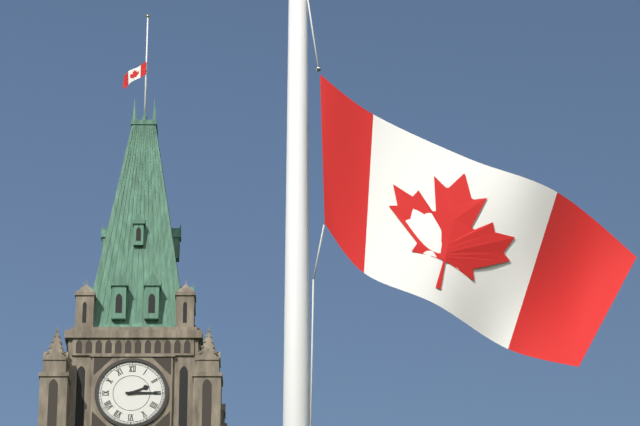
{"hour": 2, "minute": 15}
